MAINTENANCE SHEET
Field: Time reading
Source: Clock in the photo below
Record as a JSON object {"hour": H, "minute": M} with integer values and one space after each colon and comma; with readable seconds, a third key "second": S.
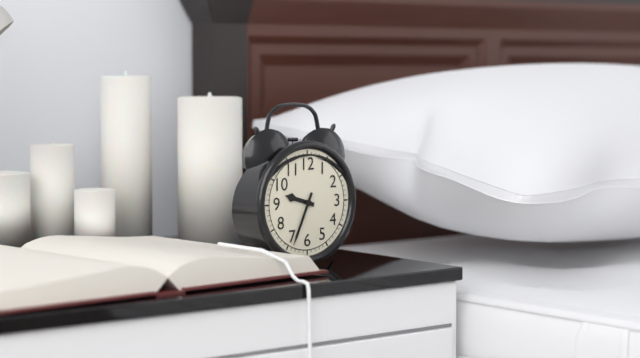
{"hour": 9, "minute": 34}
